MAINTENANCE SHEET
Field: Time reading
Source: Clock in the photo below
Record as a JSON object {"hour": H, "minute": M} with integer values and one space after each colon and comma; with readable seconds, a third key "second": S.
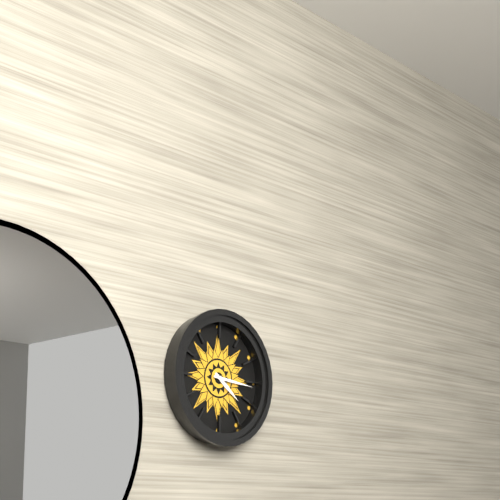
{"hour": 4, "minute": 16}
